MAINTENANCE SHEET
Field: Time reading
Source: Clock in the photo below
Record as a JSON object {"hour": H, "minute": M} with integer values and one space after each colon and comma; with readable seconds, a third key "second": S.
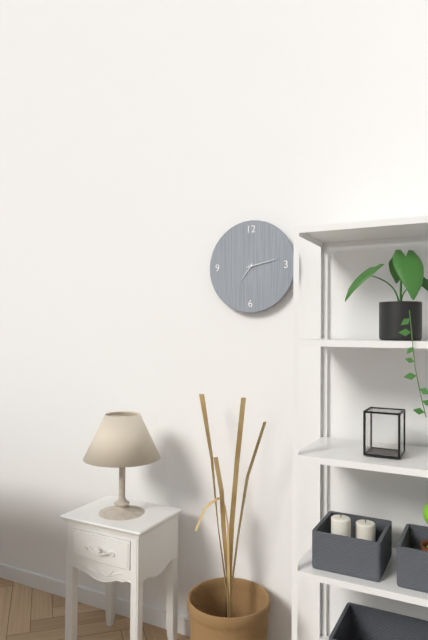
{"hour": 7, "minute": 13}
